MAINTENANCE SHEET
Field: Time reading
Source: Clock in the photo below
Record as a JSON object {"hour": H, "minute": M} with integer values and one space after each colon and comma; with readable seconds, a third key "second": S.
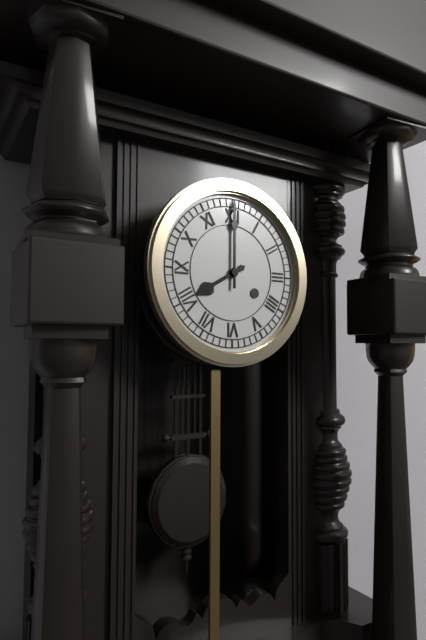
{"hour": 8, "minute": 0}
